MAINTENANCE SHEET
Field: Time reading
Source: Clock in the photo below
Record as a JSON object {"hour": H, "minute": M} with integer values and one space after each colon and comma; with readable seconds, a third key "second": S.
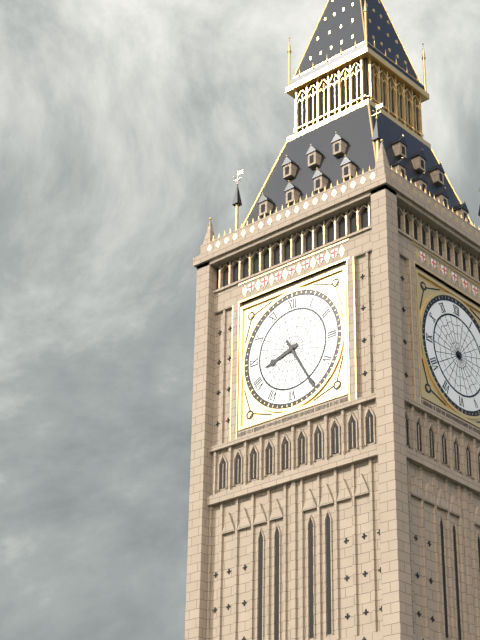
{"hour": 8, "minute": 25}
